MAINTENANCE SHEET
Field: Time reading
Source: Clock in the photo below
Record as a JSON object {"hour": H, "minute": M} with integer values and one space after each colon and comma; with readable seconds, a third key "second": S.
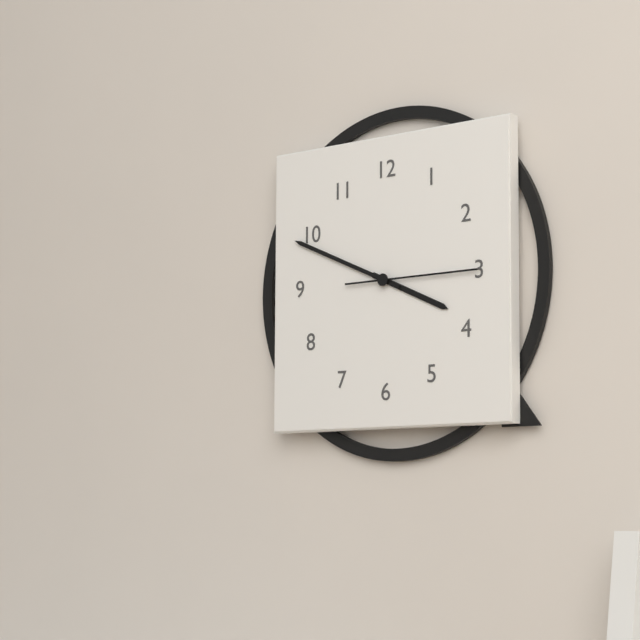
{"hour": 3, "minute": 49, "second": 15}
